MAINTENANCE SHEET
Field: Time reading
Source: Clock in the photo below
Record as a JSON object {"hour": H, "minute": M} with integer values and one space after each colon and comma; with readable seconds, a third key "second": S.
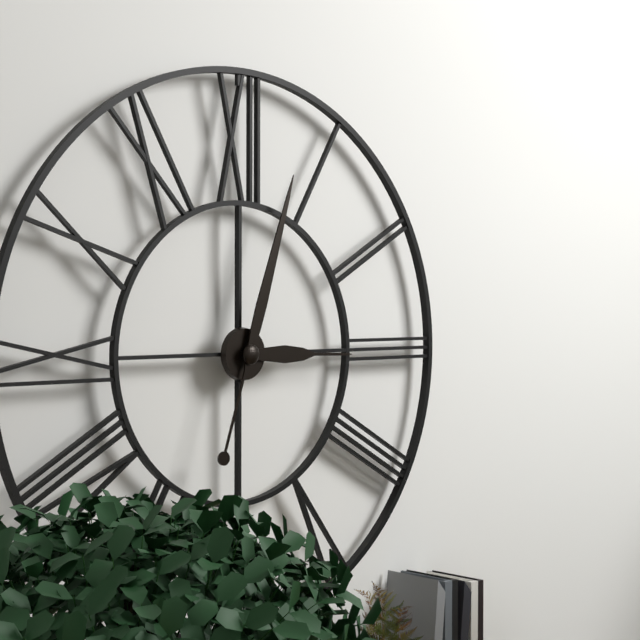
{"hour": 3, "minute": 3}
